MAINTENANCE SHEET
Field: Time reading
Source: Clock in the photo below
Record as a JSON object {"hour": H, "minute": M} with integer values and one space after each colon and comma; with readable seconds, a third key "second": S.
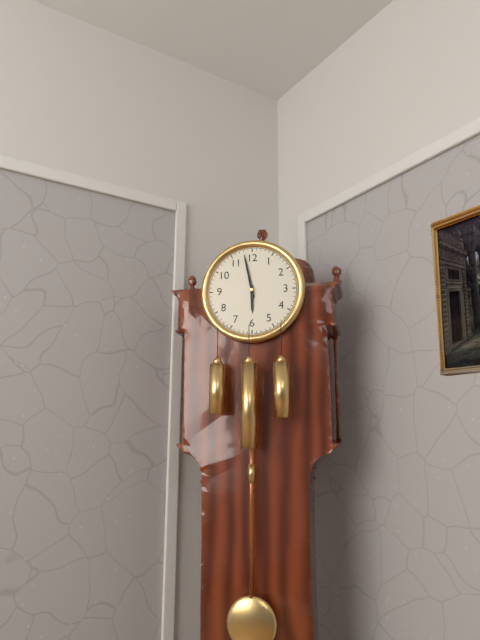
{"hour": 5, "minute": 58}
